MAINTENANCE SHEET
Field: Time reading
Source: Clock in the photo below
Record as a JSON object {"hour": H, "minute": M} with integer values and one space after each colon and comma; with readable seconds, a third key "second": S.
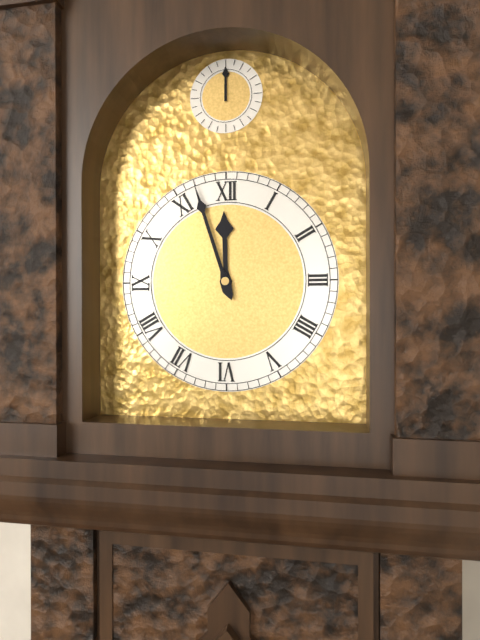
{"hour": 11, "minute": 57}
